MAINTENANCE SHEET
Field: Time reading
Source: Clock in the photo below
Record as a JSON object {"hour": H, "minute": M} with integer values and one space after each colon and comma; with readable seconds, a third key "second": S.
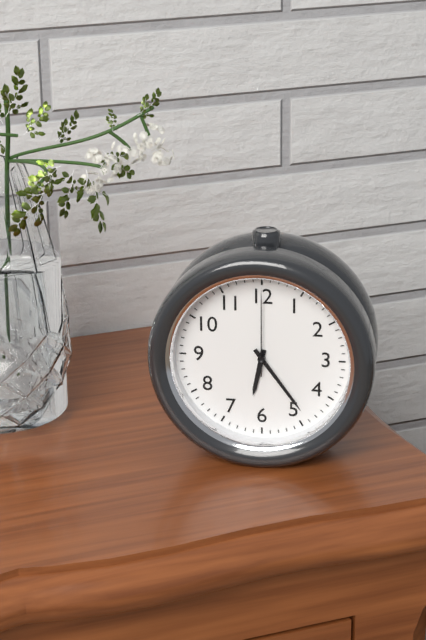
{"hour": 6, "minute": 24, "second": 0}
